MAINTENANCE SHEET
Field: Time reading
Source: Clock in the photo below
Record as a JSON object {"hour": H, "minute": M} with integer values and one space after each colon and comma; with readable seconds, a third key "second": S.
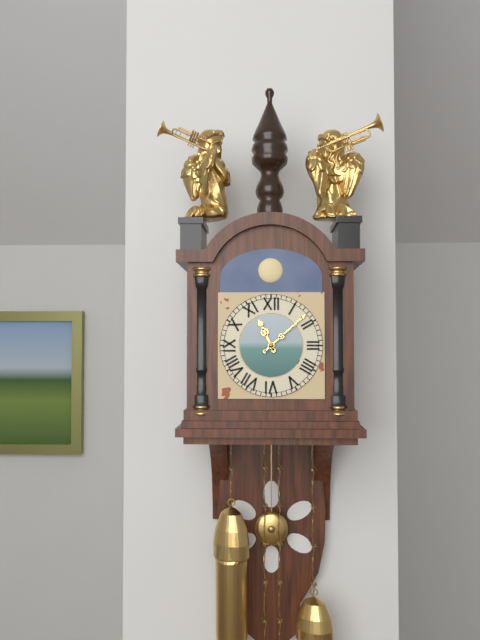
{"hour": 11, "minute": 8}
